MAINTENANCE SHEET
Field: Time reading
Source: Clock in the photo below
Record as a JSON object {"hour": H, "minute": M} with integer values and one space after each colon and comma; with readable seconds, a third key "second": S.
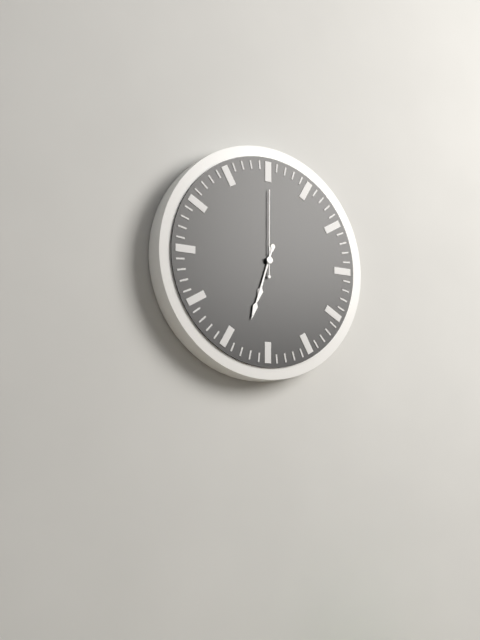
{"hour": 6, "minute": 33, "second": 0}
